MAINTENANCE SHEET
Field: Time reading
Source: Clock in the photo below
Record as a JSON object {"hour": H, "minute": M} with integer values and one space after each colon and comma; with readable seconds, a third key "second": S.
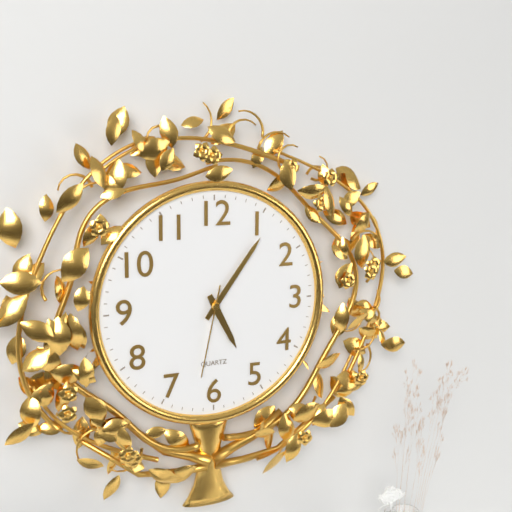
{"hour": 5, "minute": 6, "second": 32}
